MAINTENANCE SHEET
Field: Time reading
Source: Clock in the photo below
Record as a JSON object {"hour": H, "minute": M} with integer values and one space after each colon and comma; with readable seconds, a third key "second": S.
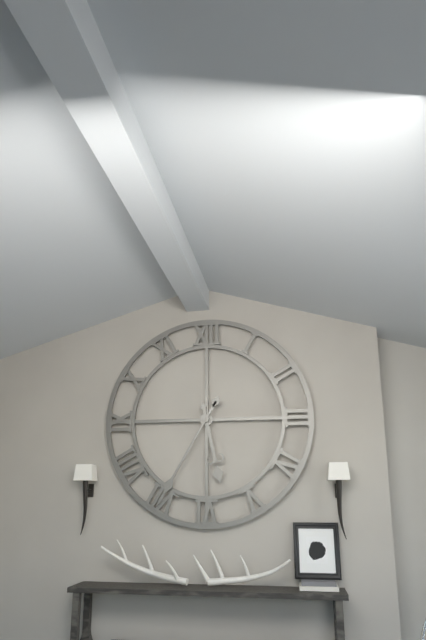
{"hour": 5, "minute": 35}
